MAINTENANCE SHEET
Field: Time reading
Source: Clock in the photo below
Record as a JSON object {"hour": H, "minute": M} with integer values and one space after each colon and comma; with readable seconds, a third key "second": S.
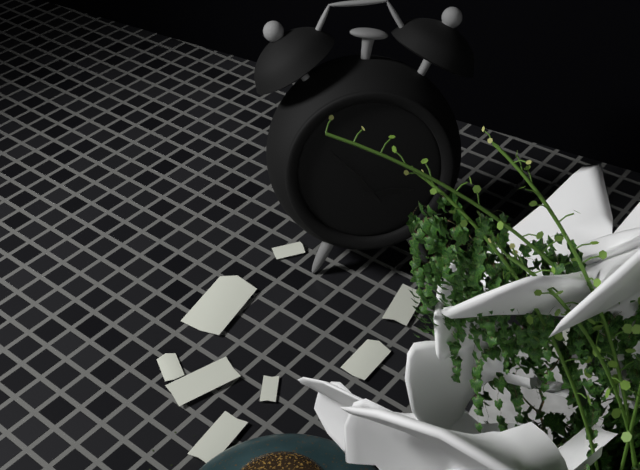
{"hour": 2, "minute": 54}
